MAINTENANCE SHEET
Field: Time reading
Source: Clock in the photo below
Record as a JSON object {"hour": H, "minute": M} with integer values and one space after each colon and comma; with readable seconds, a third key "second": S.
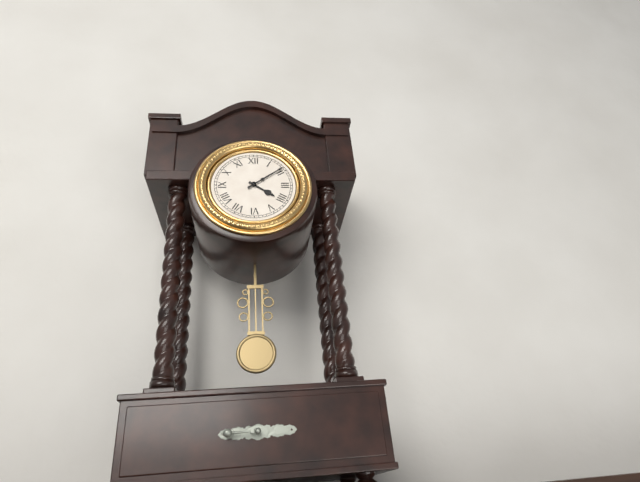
{"hour": 4, "minute": 9}
